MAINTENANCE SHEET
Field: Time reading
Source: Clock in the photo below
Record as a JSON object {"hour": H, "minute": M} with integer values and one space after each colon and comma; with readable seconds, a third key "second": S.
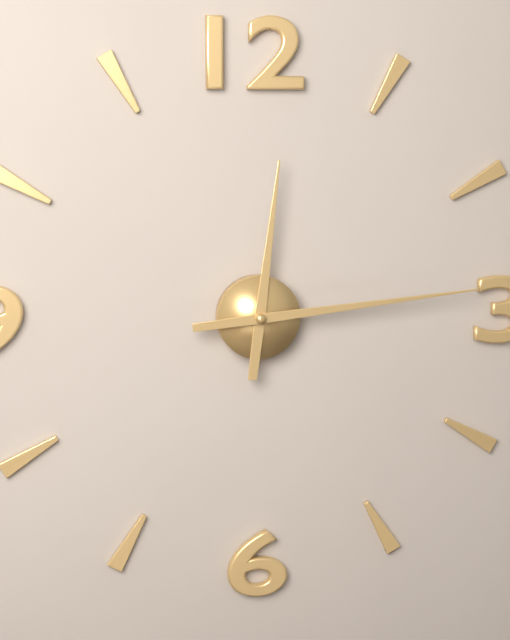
{"hour": 12, "minute": 14}
